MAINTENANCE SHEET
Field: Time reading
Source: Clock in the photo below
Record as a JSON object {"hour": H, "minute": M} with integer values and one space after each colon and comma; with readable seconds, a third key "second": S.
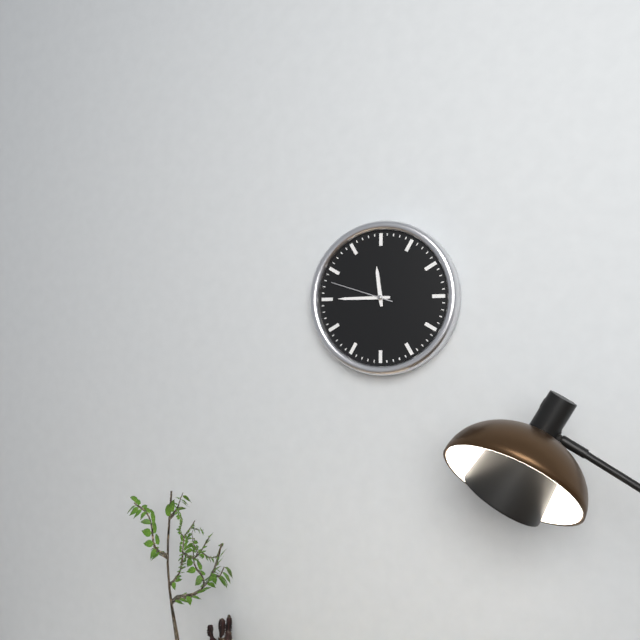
{"hour": 11, "minute": 45, "second": 48}
